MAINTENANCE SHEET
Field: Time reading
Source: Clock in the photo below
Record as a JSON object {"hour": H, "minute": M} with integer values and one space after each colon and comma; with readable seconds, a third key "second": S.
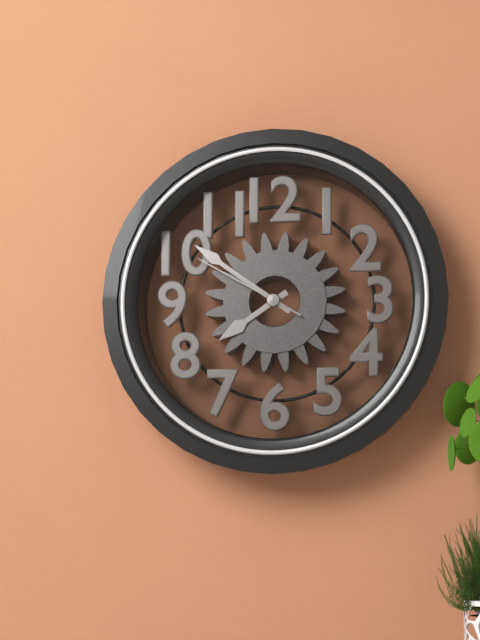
{"hour": 7, "minute": 51, "second": 50}
